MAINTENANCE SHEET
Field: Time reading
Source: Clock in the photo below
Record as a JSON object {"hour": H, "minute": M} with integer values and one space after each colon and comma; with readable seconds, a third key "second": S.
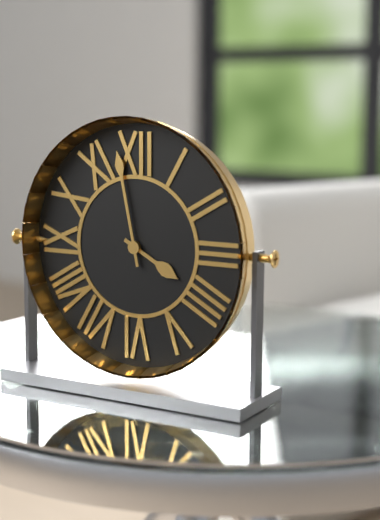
{"hour": 3, "minute": 58}
